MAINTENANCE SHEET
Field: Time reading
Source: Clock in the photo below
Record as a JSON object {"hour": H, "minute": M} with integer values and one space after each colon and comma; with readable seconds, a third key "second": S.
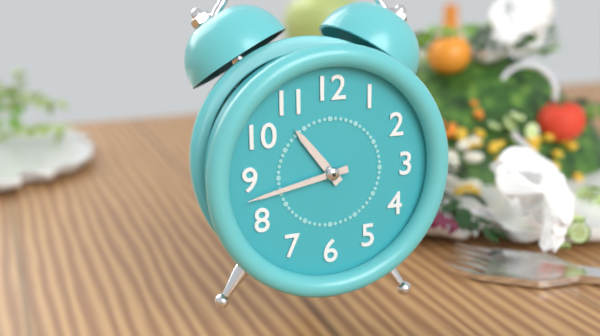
{"hour": 10, "minute": 43}
